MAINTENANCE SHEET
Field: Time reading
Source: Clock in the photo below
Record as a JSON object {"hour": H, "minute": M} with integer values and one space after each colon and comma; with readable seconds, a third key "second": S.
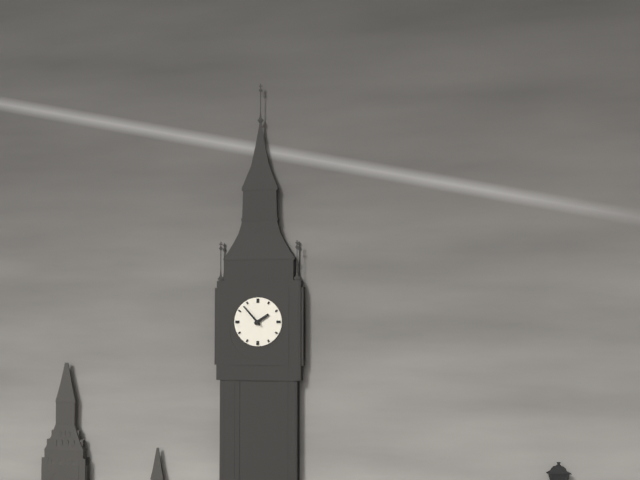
{"hour": 1, "minute": 53}
